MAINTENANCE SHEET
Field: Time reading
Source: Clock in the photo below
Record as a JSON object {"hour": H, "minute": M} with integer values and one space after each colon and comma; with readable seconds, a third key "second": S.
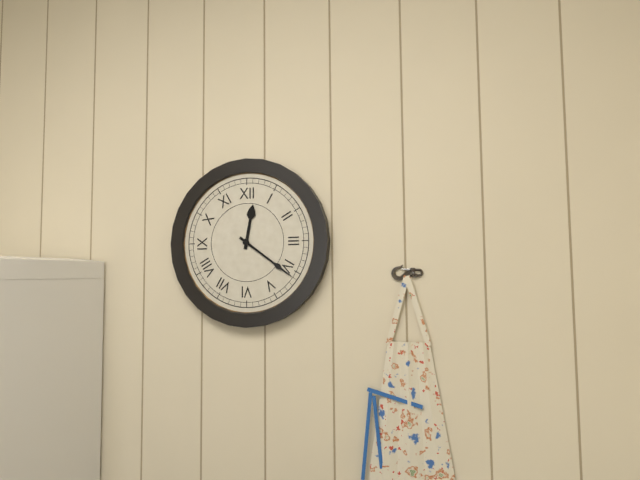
{"hour": 12, "minute": 21}
